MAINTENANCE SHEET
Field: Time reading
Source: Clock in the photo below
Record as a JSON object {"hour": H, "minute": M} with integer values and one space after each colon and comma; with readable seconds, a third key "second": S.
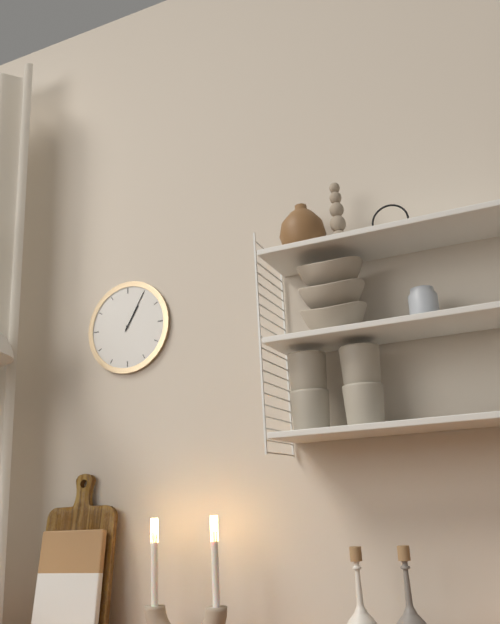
{"hour": 1, "minute": 5}
